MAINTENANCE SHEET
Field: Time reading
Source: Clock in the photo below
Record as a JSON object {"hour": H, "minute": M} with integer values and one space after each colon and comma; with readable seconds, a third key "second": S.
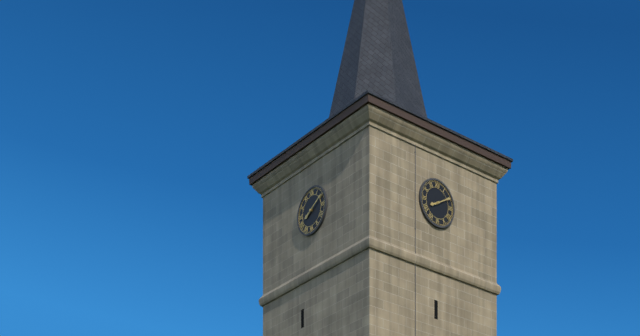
{"hour": 8, "minute": 10}
